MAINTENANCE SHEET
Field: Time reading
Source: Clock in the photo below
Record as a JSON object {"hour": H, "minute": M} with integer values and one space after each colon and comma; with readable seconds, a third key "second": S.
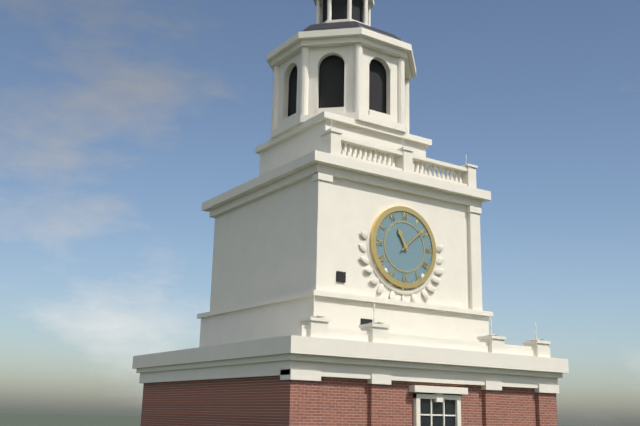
{"hour": 11, "minute": 8}
